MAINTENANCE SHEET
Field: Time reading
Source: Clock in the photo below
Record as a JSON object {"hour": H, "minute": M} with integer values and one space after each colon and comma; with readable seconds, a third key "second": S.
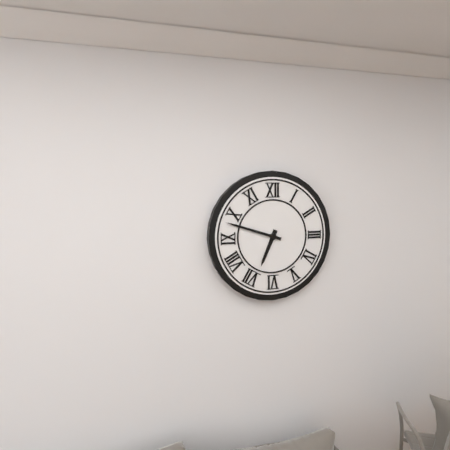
{"hour": 6, "minute": 48}
